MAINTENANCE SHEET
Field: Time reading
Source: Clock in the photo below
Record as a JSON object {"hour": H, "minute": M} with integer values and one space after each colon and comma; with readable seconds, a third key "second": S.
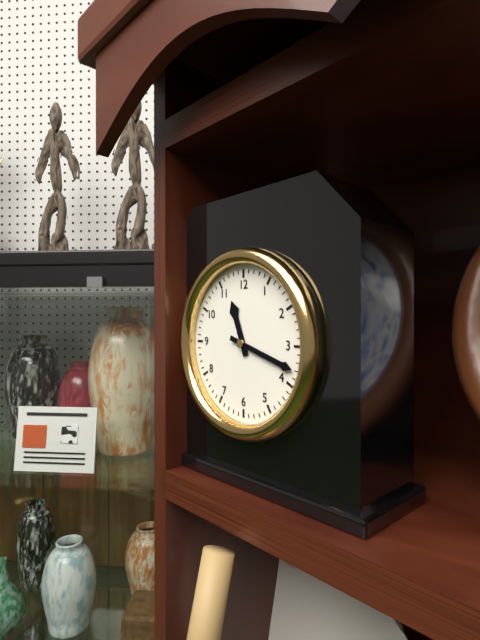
{"hour": 11, "minute": 18}
